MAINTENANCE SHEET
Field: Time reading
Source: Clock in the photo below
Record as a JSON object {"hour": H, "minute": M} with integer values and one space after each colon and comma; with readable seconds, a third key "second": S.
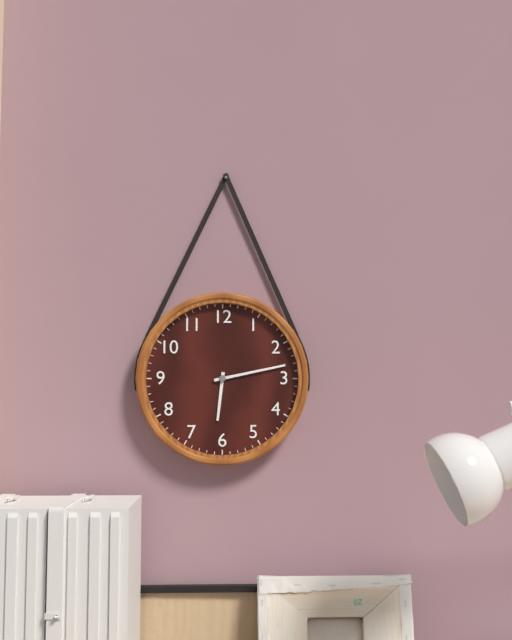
{"hour": 6, "minute": 13}
